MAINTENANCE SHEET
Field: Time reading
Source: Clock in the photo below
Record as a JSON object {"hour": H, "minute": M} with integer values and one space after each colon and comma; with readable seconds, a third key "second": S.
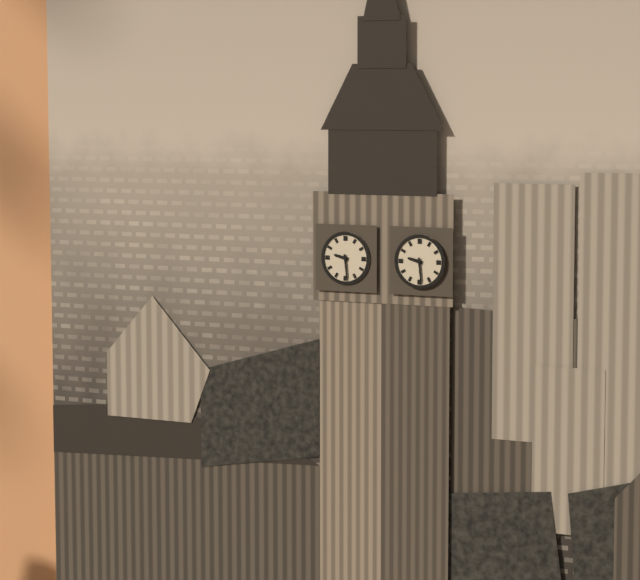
{"hour": 9, "minute": 29}
